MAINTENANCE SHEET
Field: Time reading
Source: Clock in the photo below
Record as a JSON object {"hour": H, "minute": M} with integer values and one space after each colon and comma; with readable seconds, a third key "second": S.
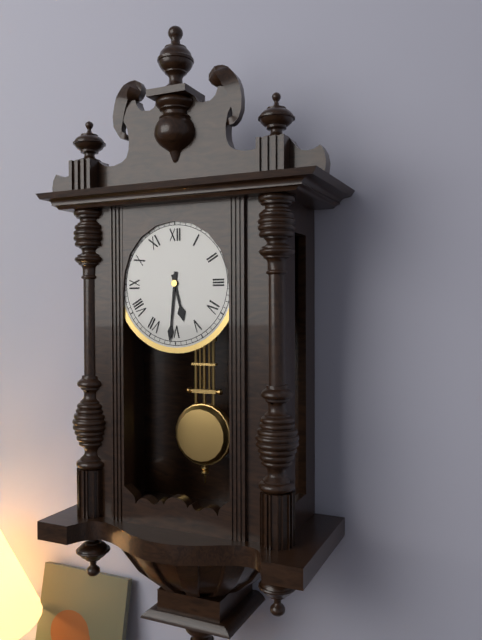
{"hour": 5, "minute": 31}
